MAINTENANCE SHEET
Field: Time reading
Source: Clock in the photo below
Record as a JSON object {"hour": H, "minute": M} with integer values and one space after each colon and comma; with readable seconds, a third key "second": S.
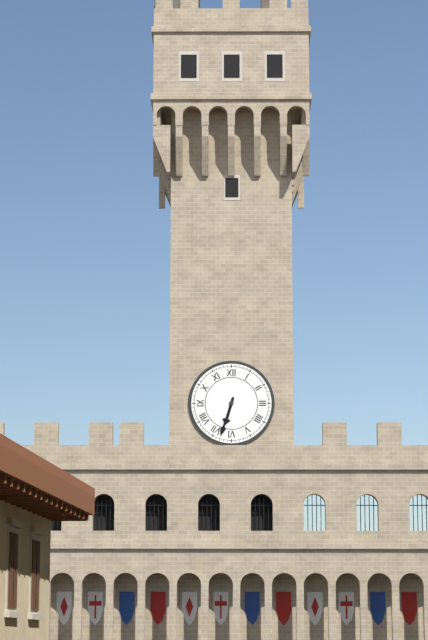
{"hour": 6, "minute": 33}
